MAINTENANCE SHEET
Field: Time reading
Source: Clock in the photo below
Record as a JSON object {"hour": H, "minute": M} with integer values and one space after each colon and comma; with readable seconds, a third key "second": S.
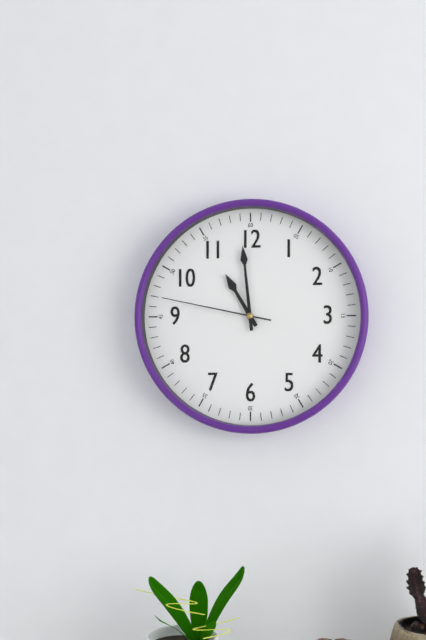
{"hour": 10, "minute": 59, "second": 47}
